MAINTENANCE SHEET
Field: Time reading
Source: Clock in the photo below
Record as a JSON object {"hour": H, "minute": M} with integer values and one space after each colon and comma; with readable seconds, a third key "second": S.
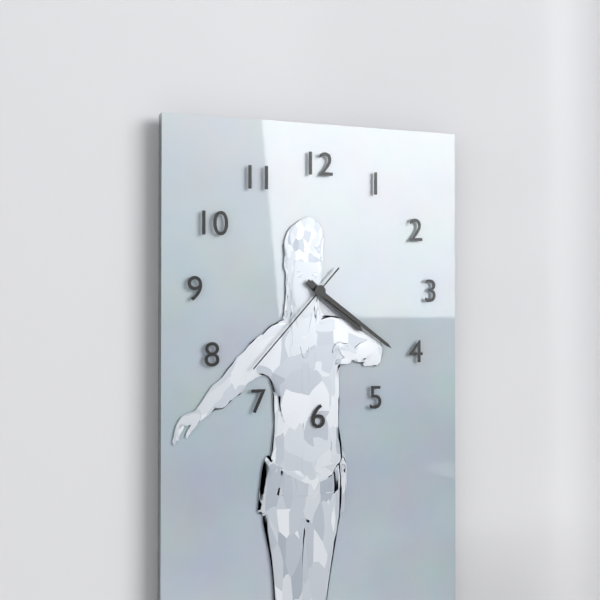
{"hour": 4, "minute": 21, "second": 37}
